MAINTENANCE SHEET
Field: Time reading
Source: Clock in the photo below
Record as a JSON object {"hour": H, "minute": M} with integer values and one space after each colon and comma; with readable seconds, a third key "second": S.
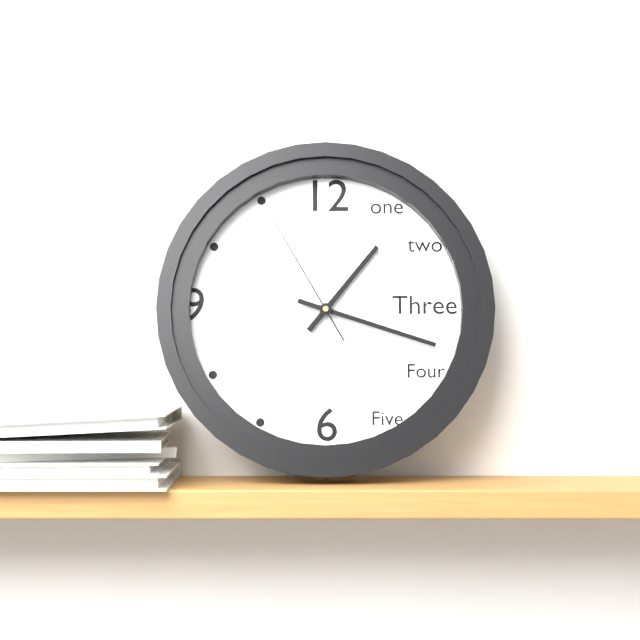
{"hour": 1, "minute": 18, "second": 55}
